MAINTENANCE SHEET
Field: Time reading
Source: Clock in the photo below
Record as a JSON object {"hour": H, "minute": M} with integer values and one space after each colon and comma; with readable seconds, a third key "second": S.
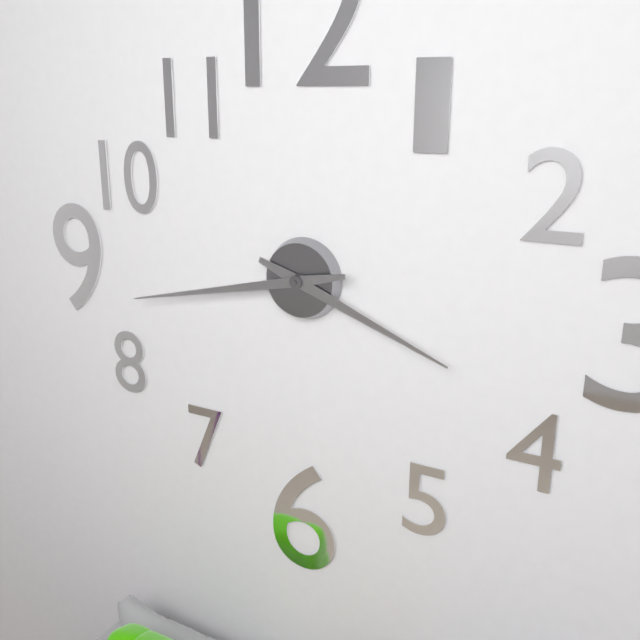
{"hour": 3, "minute": 43}
